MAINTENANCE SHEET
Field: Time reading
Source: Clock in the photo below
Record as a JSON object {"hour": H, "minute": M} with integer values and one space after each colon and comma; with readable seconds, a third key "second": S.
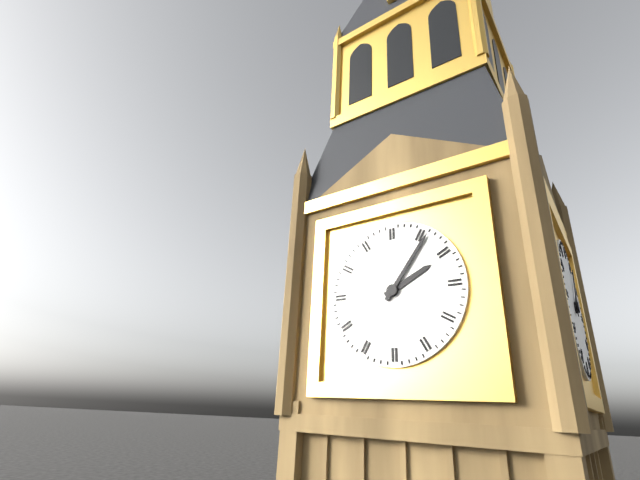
{"hour": 2, "minute": 6}
